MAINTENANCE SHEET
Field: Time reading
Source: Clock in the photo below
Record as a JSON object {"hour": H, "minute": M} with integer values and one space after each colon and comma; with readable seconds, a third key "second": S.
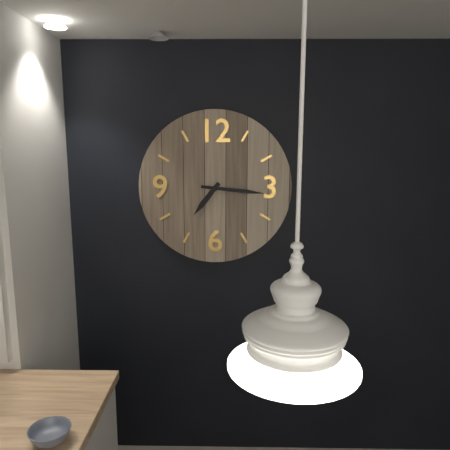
{"hour": 7, "minute": 16}
